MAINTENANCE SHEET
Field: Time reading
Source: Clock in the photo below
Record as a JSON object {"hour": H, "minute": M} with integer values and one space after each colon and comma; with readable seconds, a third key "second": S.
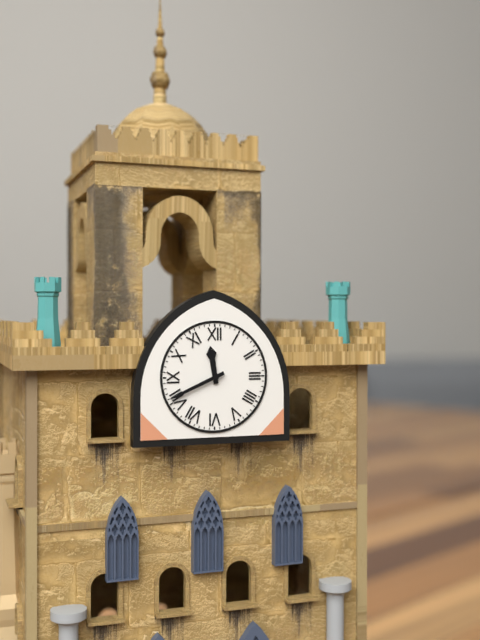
{"hour": 11, "minute": 41}
